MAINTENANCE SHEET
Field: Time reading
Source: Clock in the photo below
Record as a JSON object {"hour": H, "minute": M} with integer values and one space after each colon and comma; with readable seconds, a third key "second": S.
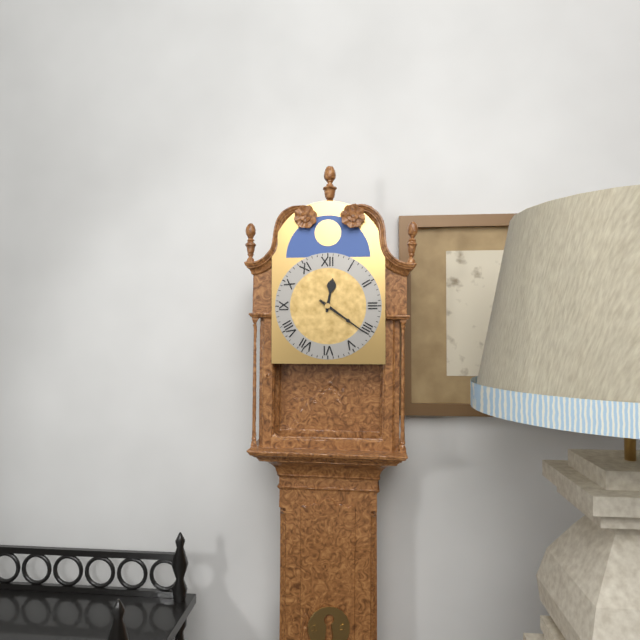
{"hour": 12, "minute": 21}
